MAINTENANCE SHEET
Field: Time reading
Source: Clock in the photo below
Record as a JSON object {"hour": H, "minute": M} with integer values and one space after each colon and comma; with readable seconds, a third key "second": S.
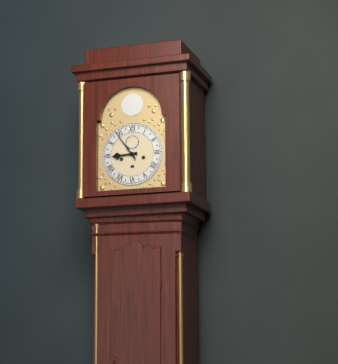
{"hour": 8, "minute": 54}
